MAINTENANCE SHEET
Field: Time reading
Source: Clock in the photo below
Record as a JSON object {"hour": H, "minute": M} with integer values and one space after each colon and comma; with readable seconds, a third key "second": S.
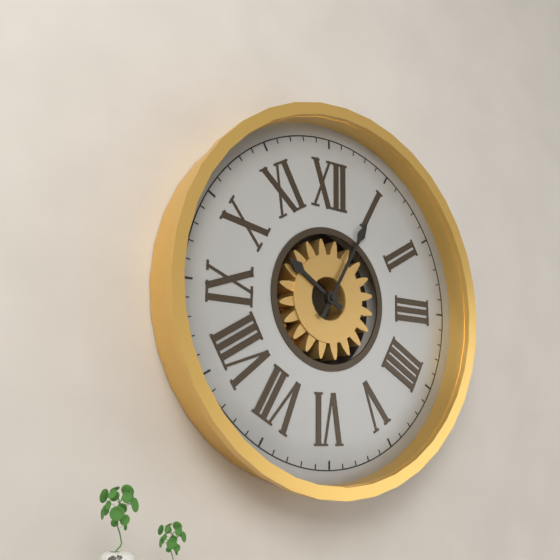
{"hour": 10, "minute": 5}
